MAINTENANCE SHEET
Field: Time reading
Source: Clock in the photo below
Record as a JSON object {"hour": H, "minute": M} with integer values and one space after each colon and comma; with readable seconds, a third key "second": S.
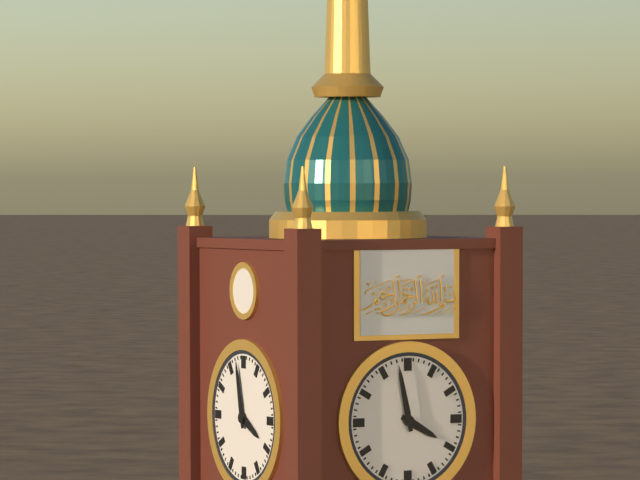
{"hour": 3, "minute": 58}
